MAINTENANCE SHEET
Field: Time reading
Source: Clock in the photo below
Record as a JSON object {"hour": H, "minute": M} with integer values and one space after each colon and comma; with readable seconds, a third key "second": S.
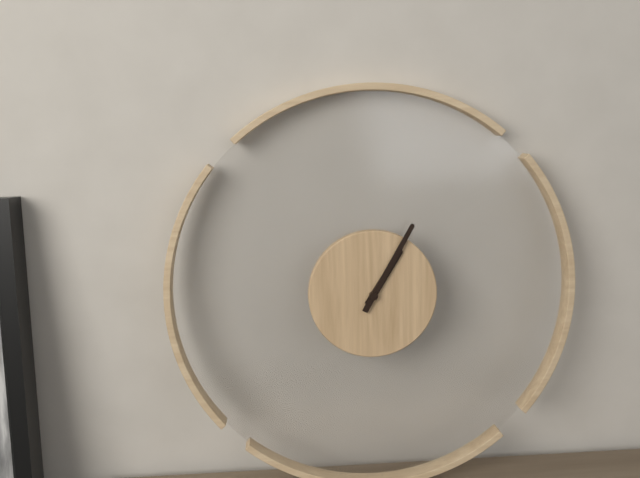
{"hour": 1, "minute": 5}
